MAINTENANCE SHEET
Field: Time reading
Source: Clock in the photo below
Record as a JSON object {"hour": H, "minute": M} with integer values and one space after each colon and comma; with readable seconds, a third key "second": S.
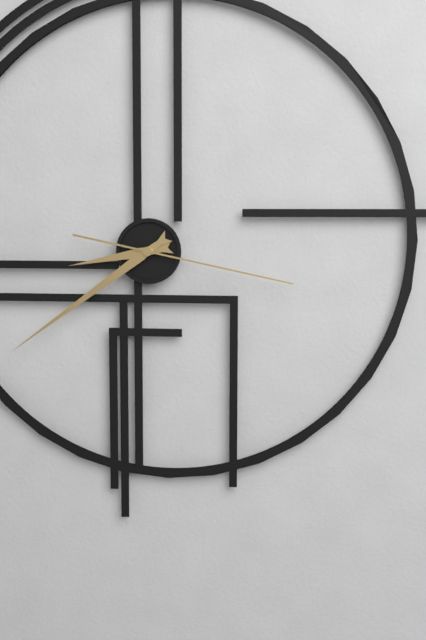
{"hour": 8, "minute": 39, "second": 17}
